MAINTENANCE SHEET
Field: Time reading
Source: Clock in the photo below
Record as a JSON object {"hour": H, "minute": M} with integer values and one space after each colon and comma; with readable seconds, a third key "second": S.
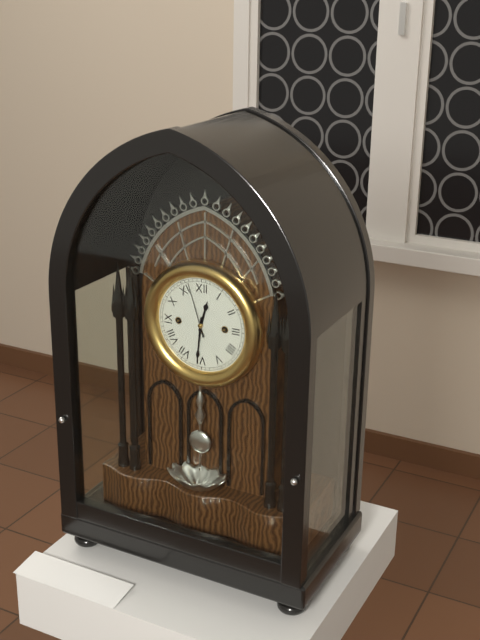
{"hour": 12, "minute": 31, "second": 57}
